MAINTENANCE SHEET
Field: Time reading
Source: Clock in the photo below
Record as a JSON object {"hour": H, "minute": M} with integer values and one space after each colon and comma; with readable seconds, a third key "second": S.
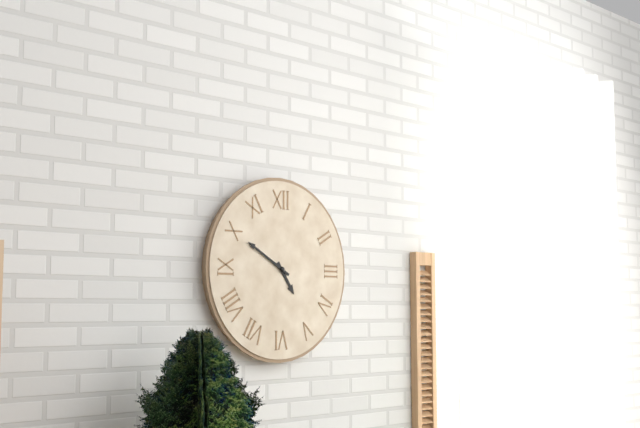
{"hour": 4, "minute": 50}
